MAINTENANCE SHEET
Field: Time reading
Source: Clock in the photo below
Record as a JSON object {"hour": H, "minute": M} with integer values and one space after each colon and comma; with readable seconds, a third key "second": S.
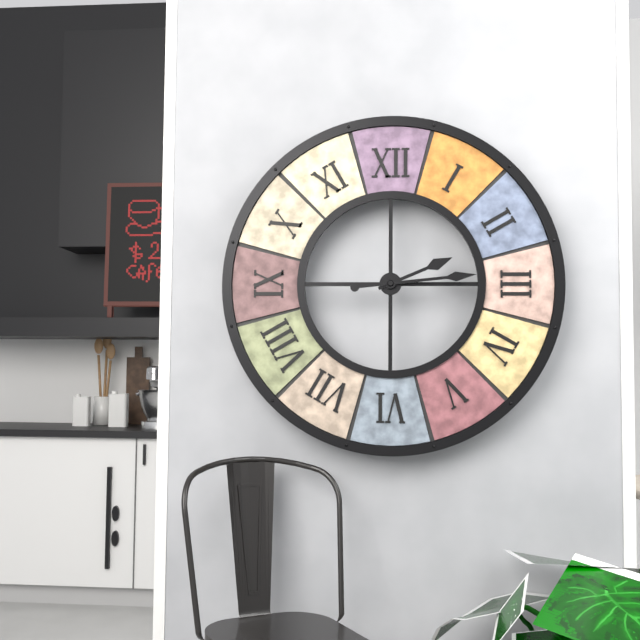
{"hour": 2, "minute": 14}
